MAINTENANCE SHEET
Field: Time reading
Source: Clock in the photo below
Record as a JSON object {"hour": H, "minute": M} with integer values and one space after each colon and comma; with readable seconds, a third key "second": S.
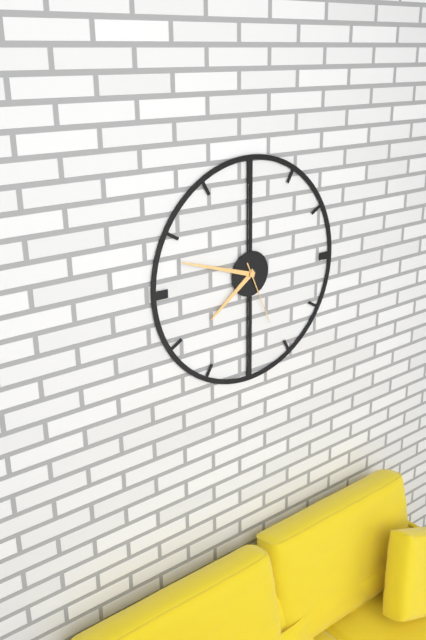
{"hour": 7, "minute": 48, "second": 26}
